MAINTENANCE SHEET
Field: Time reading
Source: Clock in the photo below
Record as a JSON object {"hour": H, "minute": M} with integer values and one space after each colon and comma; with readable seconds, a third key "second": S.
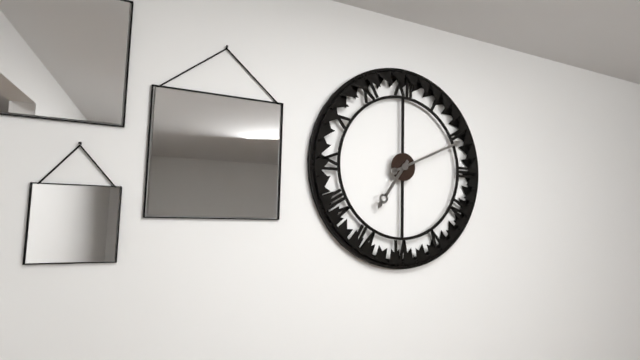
{"hour": 7, "minute": 11}
